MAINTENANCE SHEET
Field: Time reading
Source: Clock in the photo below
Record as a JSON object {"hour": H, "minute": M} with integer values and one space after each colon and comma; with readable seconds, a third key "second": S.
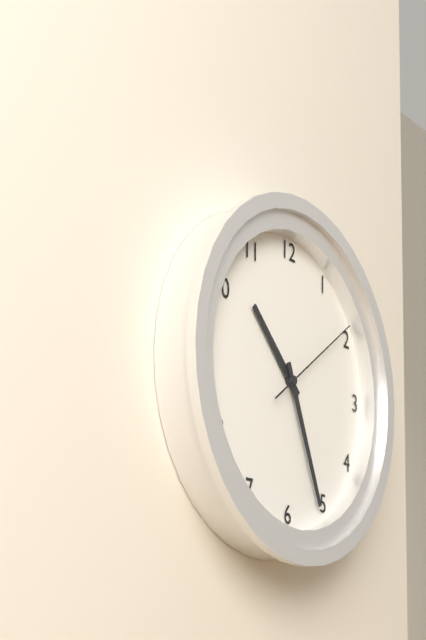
{"hour": 10, "minute": 26, "second": 9}
